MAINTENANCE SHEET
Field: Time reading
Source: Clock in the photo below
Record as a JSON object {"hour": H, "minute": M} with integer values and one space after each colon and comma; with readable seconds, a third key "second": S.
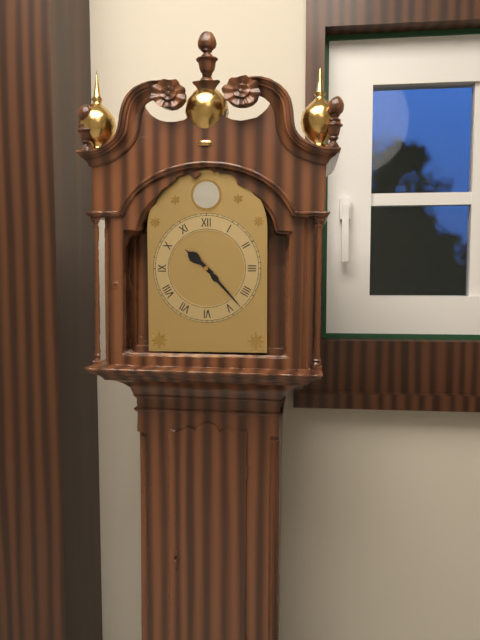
{"hour": 10, "minute": 23}
